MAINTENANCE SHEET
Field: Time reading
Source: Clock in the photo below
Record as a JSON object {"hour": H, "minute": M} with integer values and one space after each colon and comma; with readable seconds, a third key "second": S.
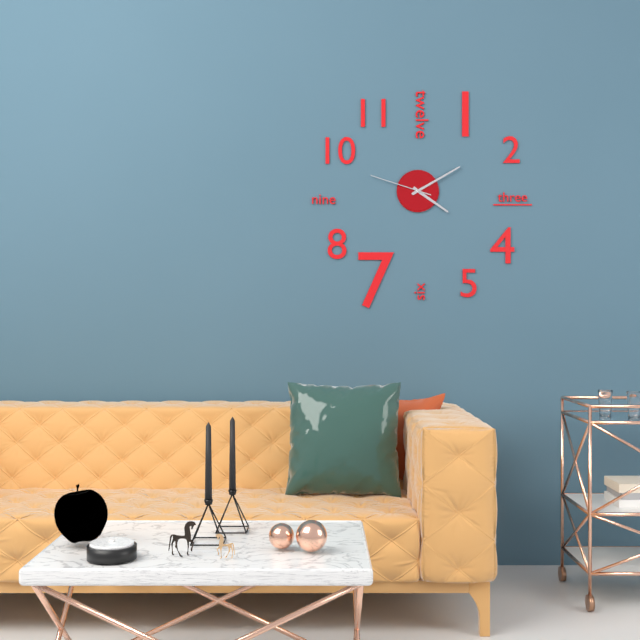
{"hour": 4, "minute": 10, "second": 48}
